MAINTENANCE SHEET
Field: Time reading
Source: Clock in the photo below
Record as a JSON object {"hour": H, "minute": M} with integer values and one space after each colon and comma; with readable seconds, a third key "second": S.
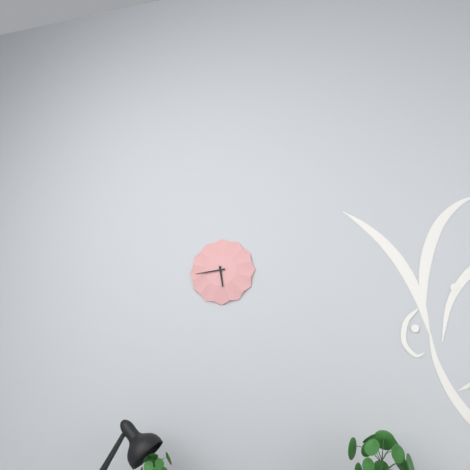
{"hour": 5, "minute": 44}
